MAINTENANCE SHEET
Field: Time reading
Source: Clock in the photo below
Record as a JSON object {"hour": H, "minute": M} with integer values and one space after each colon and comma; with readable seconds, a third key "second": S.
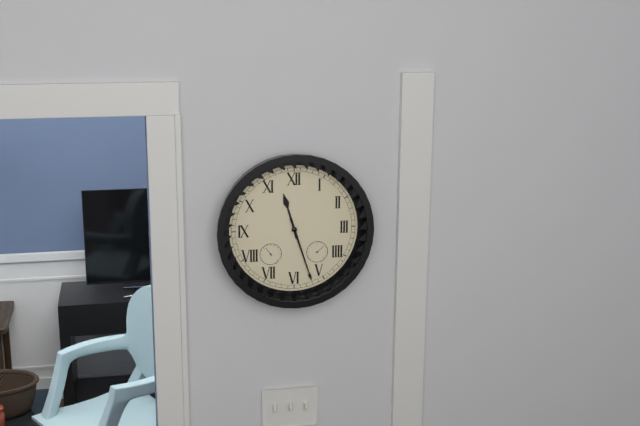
{"hour": 11, "minute": 27}
